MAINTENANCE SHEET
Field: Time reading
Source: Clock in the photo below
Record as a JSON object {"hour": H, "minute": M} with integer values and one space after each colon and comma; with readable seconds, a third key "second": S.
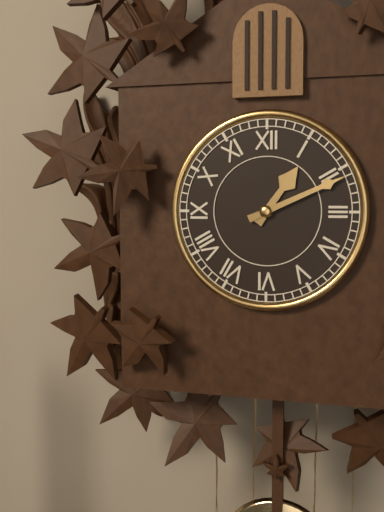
{"hour": 1, "minute": 11}
